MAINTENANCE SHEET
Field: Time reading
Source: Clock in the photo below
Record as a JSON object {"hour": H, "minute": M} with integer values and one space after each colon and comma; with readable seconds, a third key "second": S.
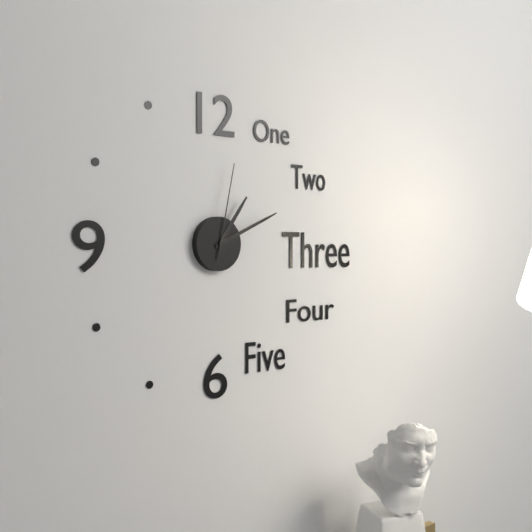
{"hour": 1, "minute": 11, "second": 2}
